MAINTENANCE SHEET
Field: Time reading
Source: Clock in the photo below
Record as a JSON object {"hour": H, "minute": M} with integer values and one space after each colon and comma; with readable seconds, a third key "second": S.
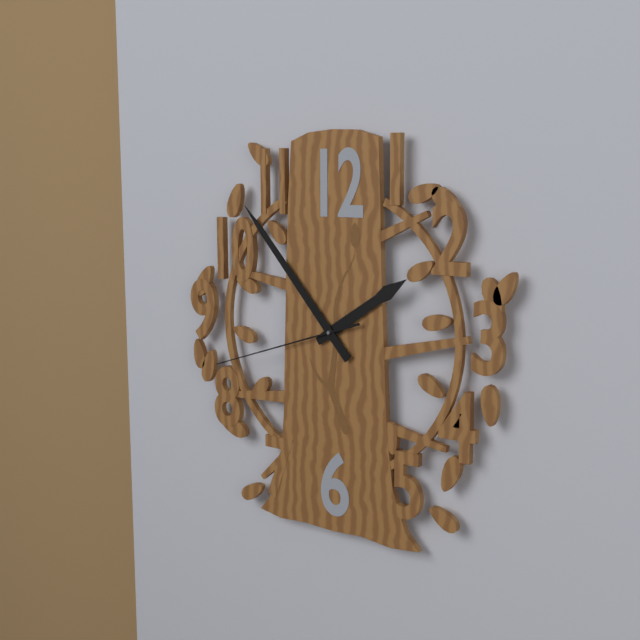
{"hour": 1, "minute": 53, "second": 42}
